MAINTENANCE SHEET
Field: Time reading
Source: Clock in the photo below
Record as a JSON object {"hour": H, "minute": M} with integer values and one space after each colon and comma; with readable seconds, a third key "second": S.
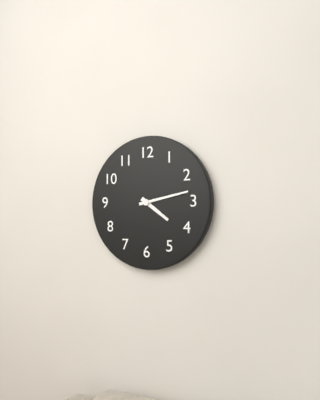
{"hour": 4, "minute": 13}
